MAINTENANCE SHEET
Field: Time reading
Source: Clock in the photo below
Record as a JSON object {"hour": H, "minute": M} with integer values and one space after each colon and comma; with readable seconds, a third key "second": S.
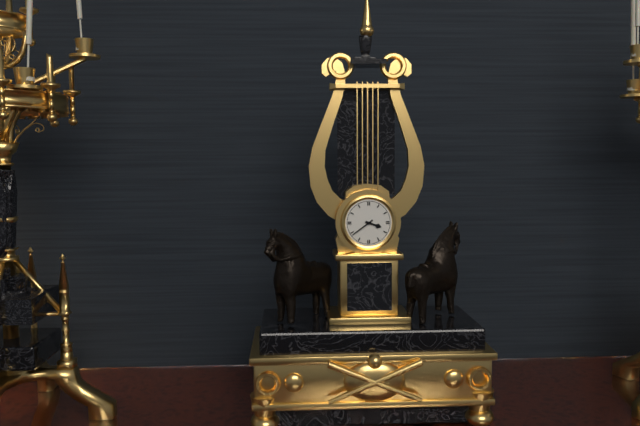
{"hour": 3, "minute": 39}
